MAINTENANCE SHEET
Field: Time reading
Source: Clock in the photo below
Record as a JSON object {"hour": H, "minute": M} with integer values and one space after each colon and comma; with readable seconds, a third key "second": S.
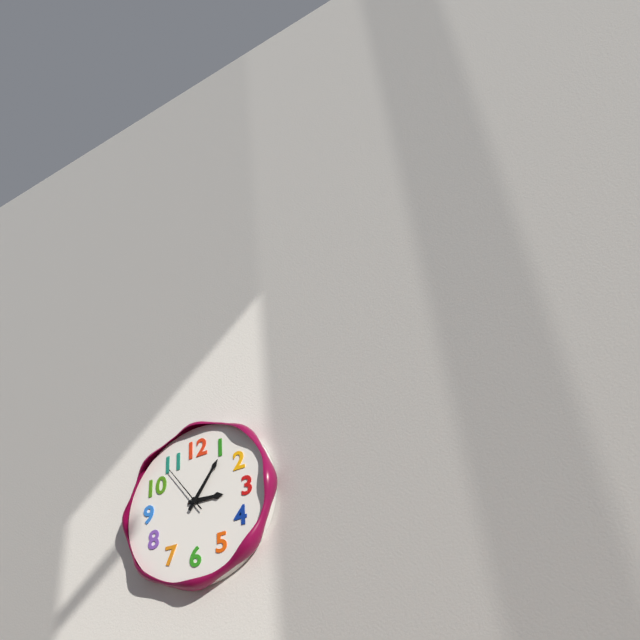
{"hour": 3, "minute": 6, "second": 54}
